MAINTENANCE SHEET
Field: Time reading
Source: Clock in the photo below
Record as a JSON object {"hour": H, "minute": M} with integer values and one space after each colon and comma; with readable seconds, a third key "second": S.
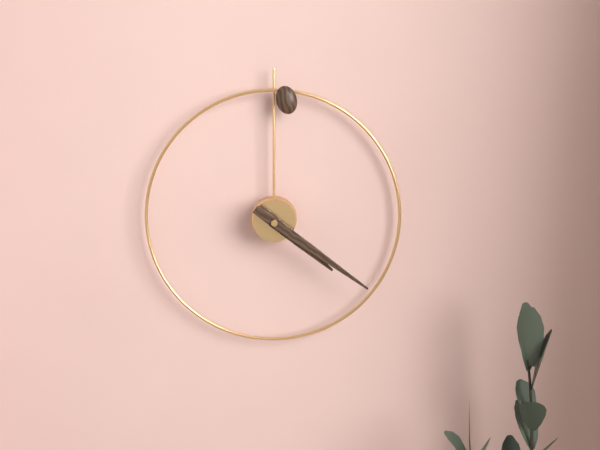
{"hour": 4, "minute": 21}
